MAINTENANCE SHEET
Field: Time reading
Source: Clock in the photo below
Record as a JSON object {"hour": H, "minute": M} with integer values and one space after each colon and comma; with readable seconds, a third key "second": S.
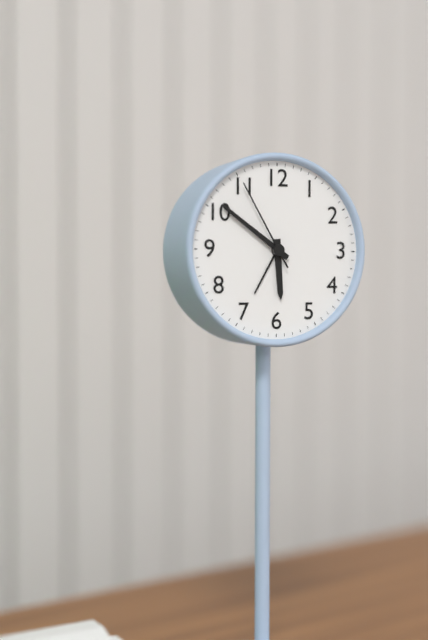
{"hour": 5, "minute": 51, "second": 55}
